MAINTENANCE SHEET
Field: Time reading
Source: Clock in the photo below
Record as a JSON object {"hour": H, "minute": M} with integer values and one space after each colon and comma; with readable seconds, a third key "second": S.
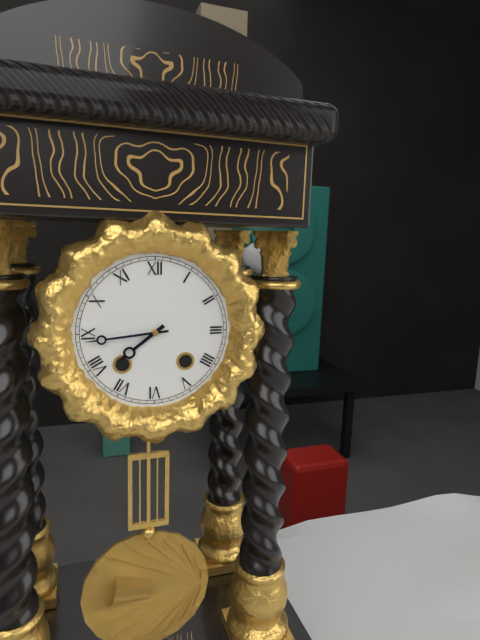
{"hour": 7, "minute": 44}
